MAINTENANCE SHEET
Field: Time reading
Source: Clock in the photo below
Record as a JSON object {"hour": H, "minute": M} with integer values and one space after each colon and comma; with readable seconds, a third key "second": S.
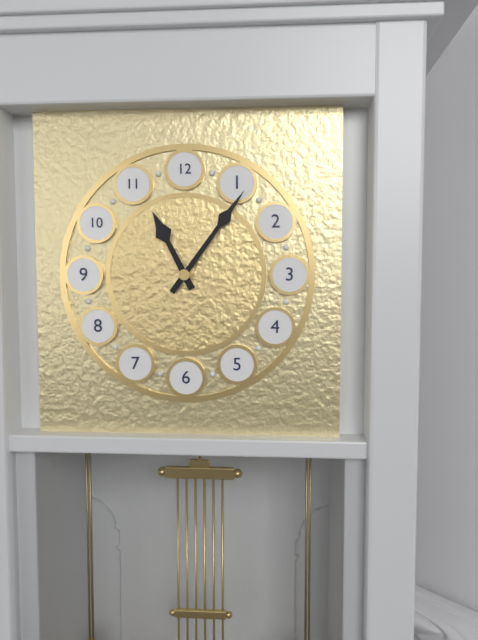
{"hour": 11, "minute": 6}
